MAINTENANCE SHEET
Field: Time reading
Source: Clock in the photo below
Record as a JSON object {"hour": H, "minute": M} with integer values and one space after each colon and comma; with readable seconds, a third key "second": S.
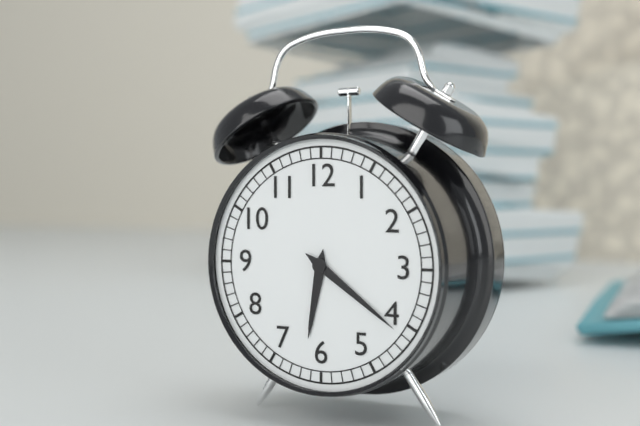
{"hour": 6, "minute": 21}
